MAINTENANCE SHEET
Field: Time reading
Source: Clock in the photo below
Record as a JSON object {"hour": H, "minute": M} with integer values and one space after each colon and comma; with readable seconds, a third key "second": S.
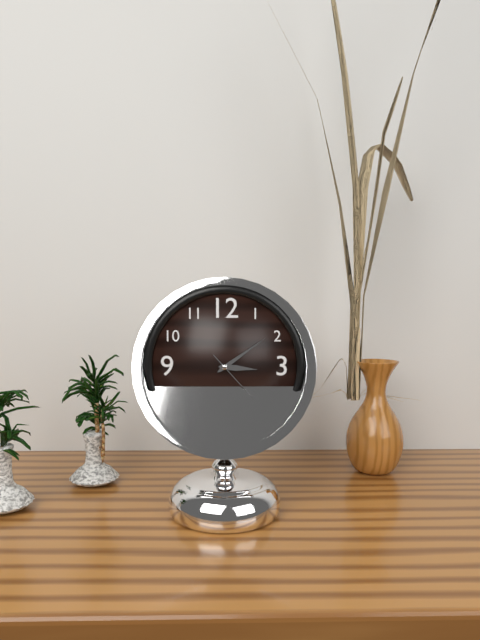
{"hour": 3, "minute": 9, "second": 23}
